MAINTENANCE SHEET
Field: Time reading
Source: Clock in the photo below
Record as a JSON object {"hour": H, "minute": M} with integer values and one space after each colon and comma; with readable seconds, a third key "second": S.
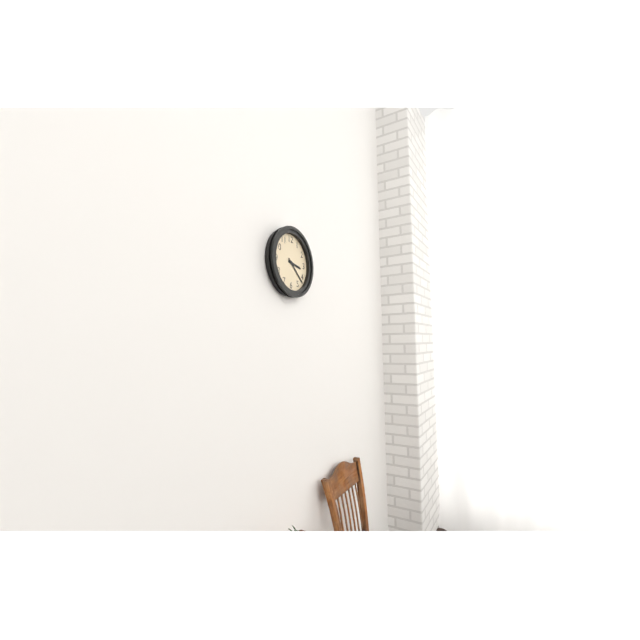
{"hour": 3, "minute": 22}
